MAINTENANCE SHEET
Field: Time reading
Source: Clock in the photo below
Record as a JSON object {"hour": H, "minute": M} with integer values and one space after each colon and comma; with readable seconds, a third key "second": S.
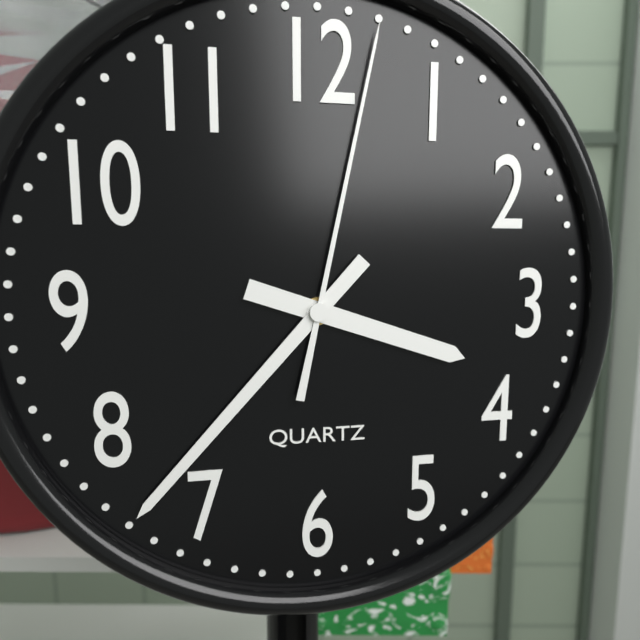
{"hour": 3, "minute": 37, "second": 2}
